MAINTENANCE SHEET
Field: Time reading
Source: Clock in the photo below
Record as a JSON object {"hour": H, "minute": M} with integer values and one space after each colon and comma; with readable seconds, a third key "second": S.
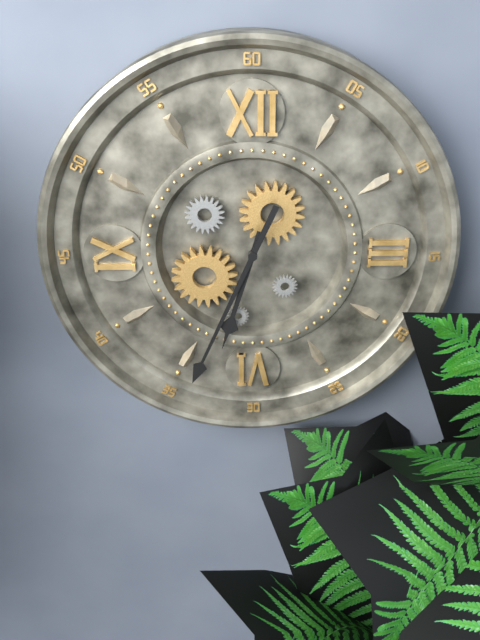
{"hour": 6, "minute": 34}
